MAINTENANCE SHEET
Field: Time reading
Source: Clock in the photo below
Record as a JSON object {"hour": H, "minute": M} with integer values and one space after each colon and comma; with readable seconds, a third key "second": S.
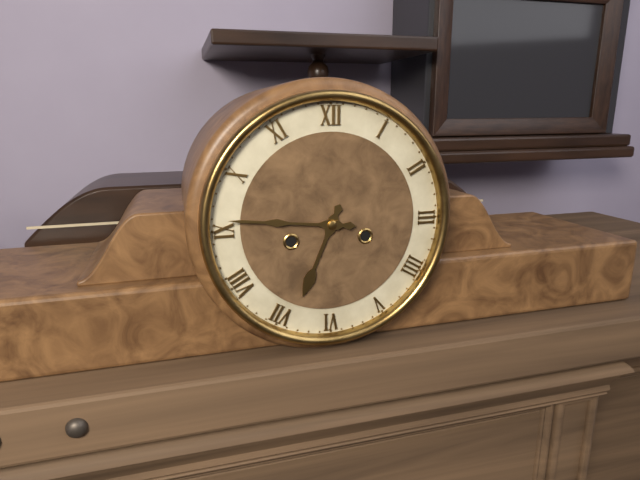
{"hour": 6, "minute": 46}
